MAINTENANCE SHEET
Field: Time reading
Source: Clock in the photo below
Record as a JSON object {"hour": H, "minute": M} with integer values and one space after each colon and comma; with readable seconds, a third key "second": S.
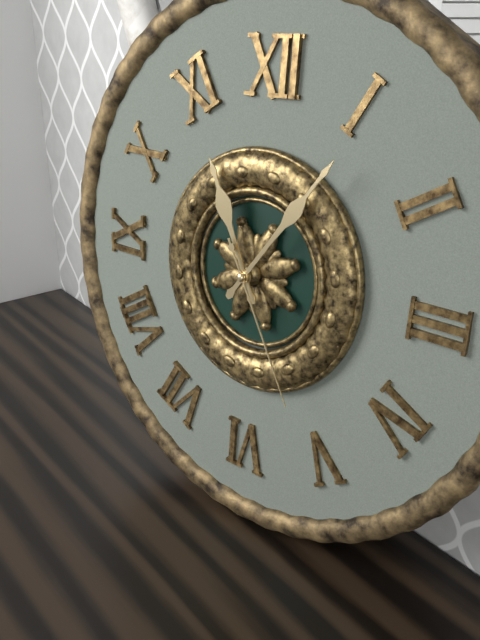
{"hour": 11, "minute": 6, "second": 25}
